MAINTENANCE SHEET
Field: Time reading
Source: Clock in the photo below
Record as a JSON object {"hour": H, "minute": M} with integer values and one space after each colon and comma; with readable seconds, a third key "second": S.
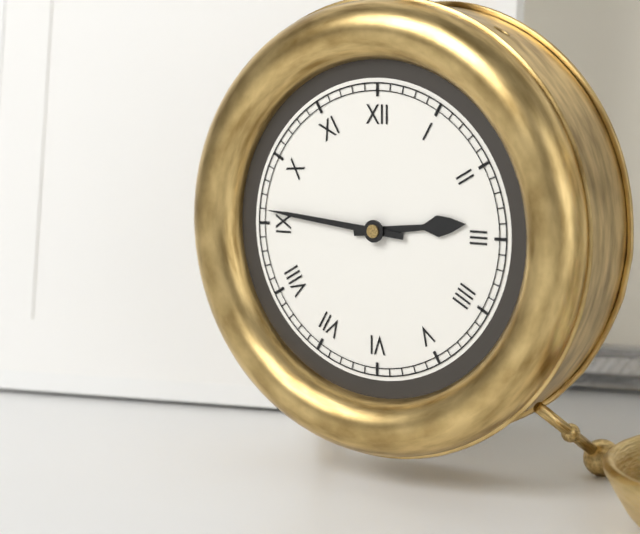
{"hour": 2, "minute": 46}
